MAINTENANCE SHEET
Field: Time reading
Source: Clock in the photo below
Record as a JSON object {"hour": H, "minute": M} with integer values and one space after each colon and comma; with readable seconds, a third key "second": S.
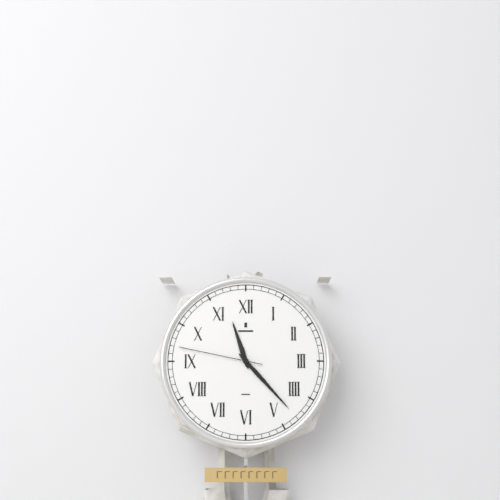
{"hour": 11, "minute": 23, "second": 47}
